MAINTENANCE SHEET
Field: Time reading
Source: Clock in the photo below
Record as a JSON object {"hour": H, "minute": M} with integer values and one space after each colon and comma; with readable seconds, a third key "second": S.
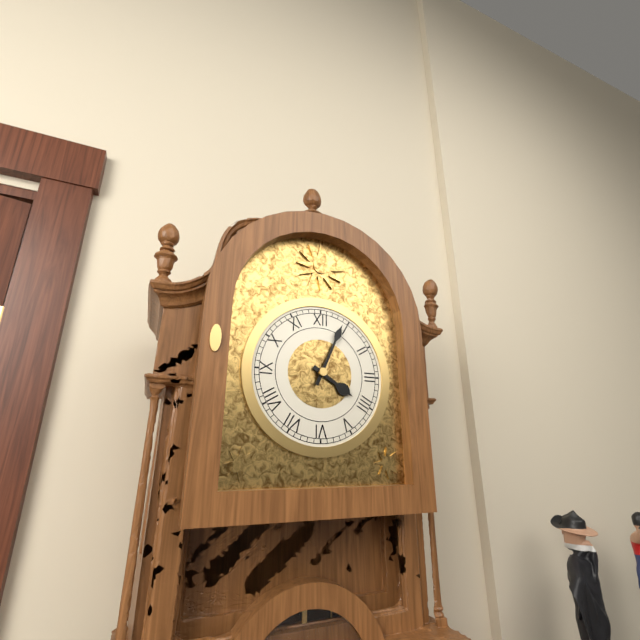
{"hour": 4, "minute": 4}
